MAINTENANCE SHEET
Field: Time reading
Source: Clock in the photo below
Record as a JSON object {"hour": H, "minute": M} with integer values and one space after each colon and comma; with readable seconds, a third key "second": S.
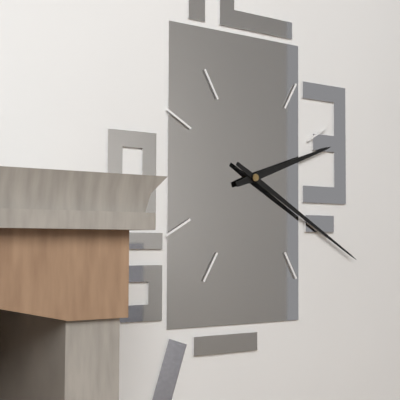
{"hour": 2, "minute": 20}
